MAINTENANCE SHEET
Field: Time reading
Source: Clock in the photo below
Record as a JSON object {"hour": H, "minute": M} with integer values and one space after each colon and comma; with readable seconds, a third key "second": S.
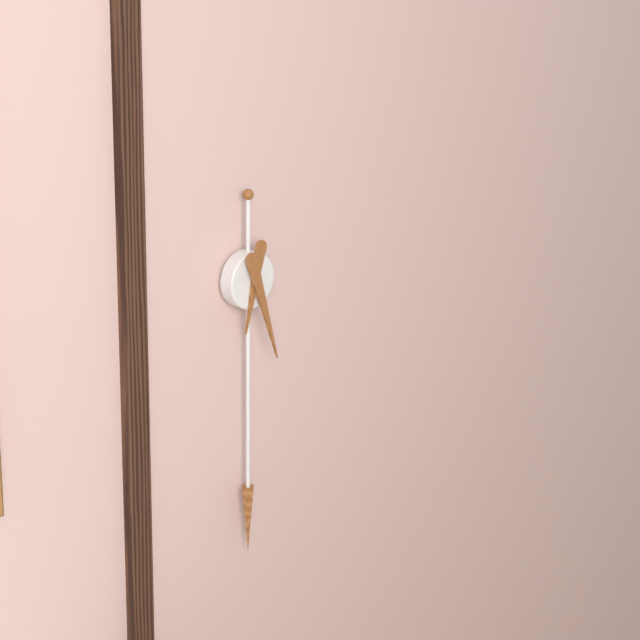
{"hour": 6, "minute": 27}
